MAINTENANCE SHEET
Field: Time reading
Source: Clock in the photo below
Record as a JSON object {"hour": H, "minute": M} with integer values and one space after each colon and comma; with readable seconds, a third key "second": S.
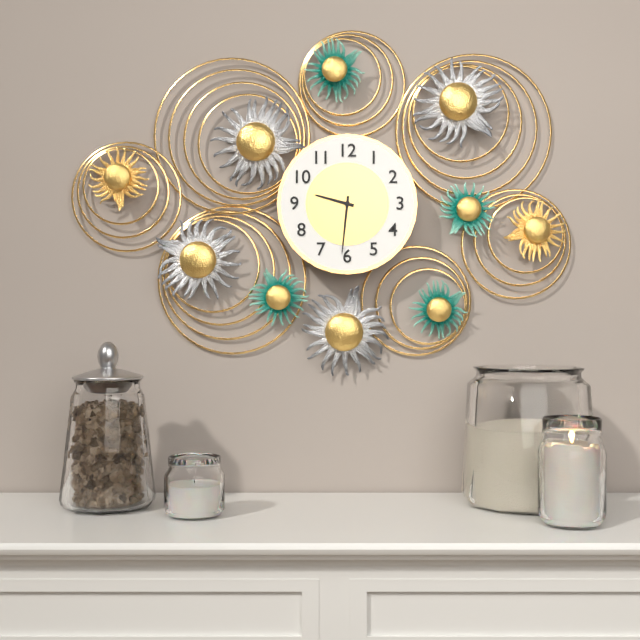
{"hour": 9, "minute": 31}
